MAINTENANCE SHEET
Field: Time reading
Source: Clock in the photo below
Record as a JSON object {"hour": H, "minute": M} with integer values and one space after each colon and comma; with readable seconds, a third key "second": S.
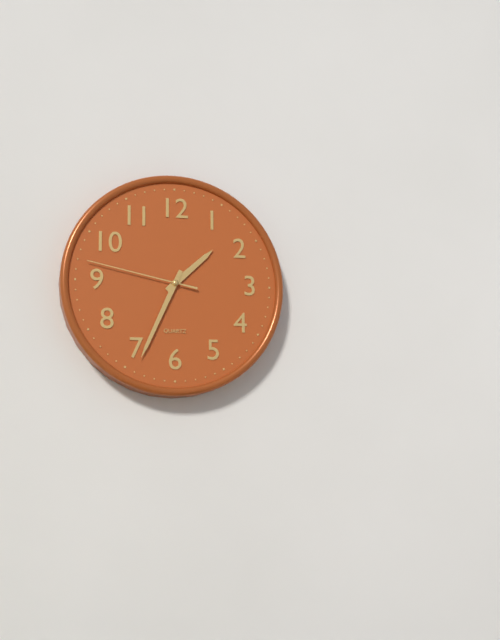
{"hour": 1, "minute": 34, "second": 47}
